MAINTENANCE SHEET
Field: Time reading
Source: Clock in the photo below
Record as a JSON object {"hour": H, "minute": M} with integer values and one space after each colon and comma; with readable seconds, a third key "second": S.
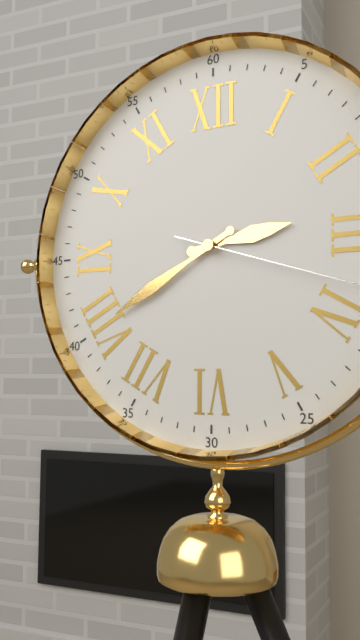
{"hour": 2, "minute": 40}
